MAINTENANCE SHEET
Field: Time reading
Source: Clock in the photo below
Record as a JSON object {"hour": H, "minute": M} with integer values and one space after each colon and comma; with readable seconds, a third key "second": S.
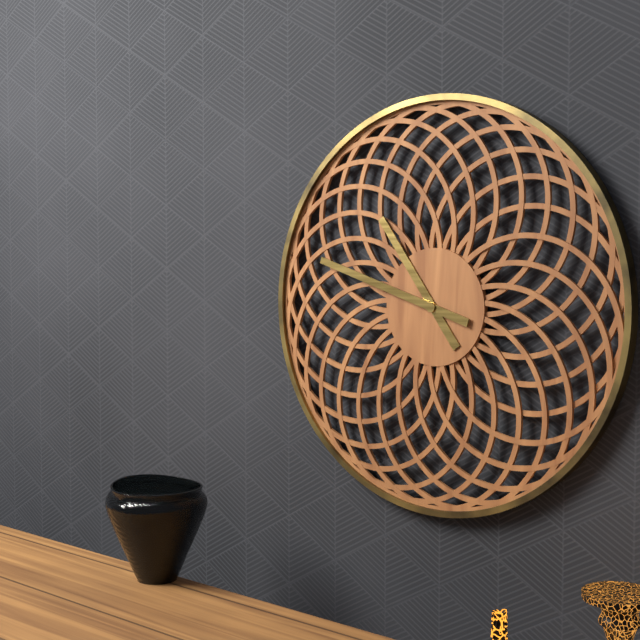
{"hour": 10, "minute": 48}
